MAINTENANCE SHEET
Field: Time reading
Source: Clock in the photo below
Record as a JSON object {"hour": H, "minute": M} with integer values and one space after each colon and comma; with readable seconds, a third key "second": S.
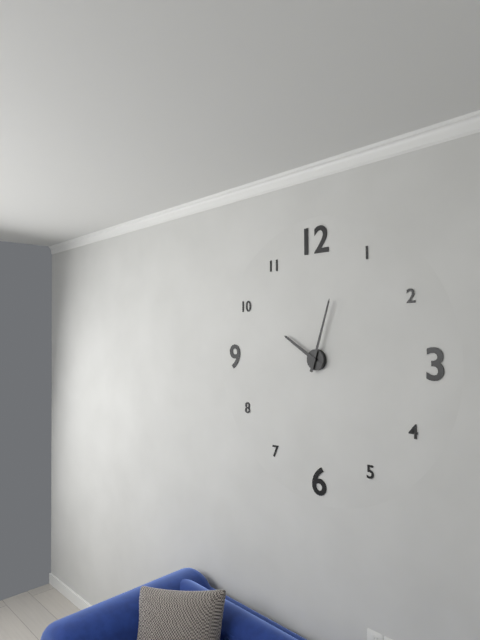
{"hour": 10, "minute": 3}
